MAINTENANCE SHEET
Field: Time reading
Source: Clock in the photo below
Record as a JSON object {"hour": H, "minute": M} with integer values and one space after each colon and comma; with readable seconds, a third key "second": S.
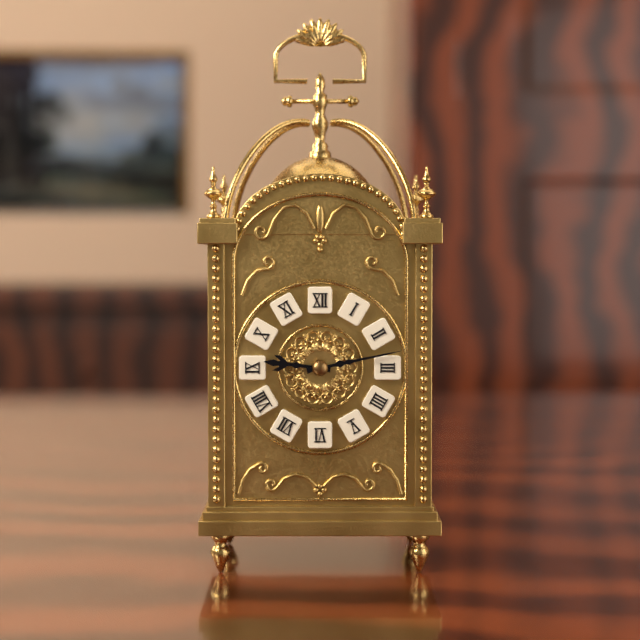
{"hour": 9, "minute": 13}
